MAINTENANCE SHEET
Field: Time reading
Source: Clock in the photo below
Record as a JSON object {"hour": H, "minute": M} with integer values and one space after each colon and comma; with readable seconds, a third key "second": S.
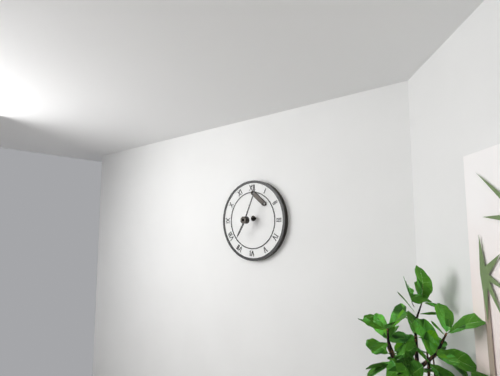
{"hour": 7, "minute": 4}
